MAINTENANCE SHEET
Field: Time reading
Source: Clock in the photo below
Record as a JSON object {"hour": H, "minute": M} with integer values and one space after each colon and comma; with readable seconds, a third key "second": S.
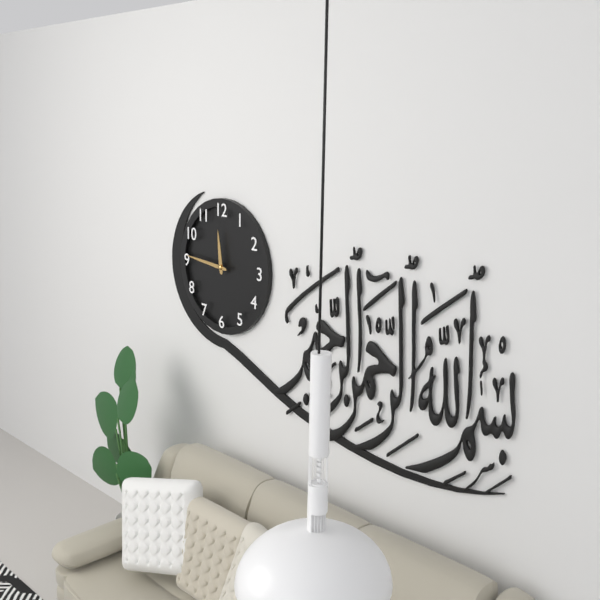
{"hour": 11, "minute": 46}
